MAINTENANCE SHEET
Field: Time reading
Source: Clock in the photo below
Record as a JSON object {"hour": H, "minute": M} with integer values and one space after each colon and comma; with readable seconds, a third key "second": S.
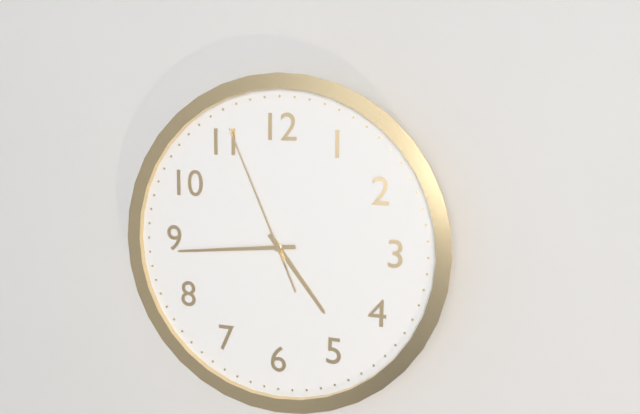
{"hour": 4, "minute": 44, "second": 56}
